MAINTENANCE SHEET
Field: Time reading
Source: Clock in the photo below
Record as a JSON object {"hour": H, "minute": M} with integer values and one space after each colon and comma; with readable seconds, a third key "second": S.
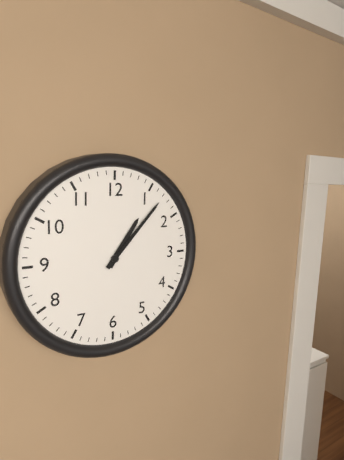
{"hour": 1, "minute": 7}
